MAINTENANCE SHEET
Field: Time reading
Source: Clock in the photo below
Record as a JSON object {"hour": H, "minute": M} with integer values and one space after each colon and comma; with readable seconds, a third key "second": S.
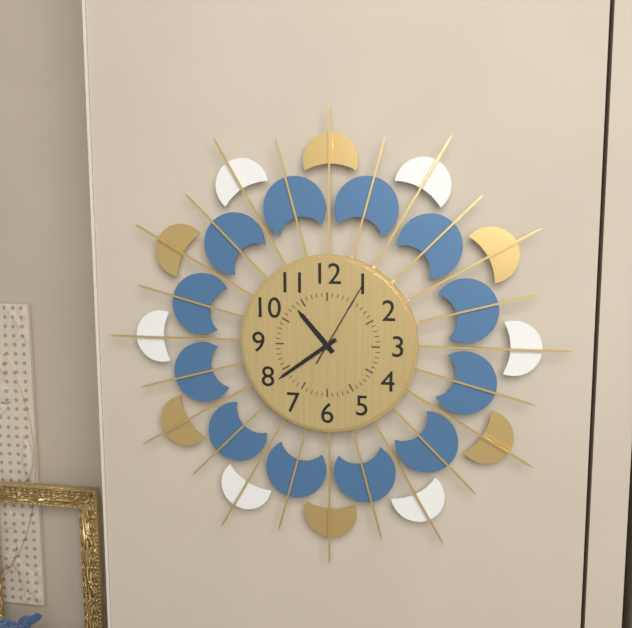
{"hour": 10, "minute": 39, "second": 5}
